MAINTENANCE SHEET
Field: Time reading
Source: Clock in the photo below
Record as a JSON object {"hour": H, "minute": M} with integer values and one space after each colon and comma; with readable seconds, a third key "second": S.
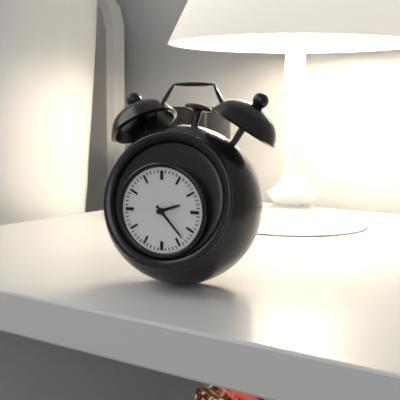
{"hour": 2, "minute": 23}
